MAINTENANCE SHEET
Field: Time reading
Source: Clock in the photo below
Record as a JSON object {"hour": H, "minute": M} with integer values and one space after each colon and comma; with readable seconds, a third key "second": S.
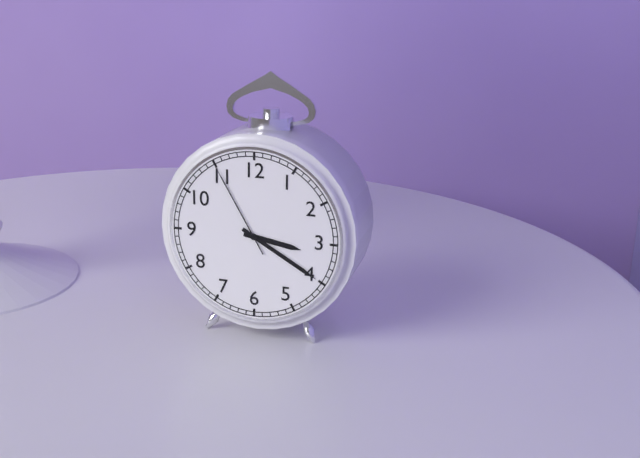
{"hour": 3, "minute": 20, "second": 55}
